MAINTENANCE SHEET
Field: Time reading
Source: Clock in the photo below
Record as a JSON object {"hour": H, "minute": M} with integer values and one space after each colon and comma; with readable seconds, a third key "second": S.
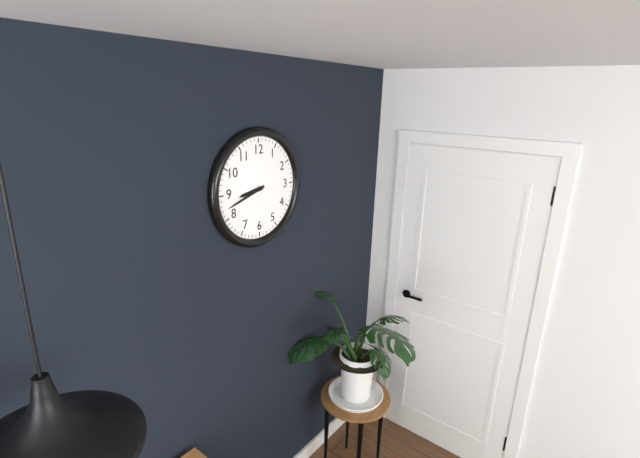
{"hour": 8, "minute": 42}
